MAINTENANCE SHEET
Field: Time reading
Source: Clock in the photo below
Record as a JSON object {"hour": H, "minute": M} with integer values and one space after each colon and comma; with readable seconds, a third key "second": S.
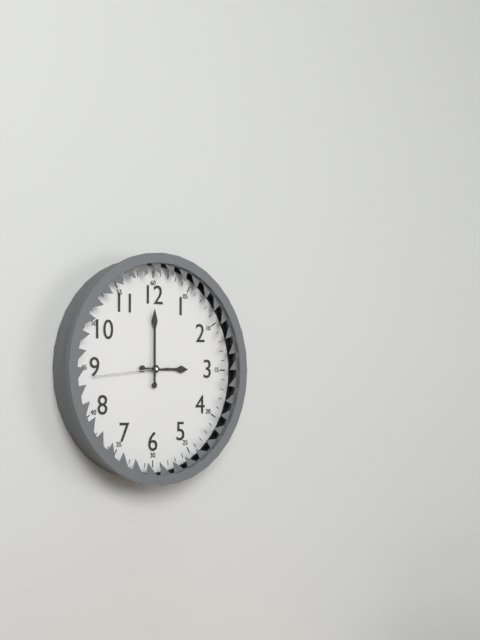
{"hour": 3, "minute": 0, "second": 44}
